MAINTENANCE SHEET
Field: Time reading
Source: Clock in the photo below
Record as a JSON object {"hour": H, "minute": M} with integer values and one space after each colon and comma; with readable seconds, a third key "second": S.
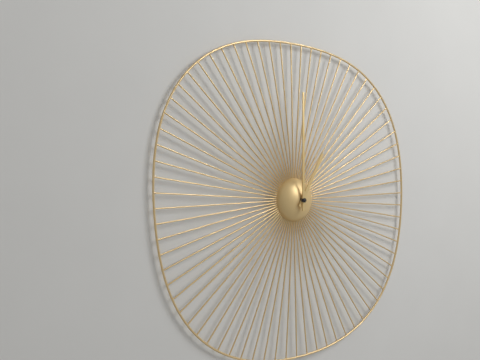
{"hour": 1, "minute": 0}
